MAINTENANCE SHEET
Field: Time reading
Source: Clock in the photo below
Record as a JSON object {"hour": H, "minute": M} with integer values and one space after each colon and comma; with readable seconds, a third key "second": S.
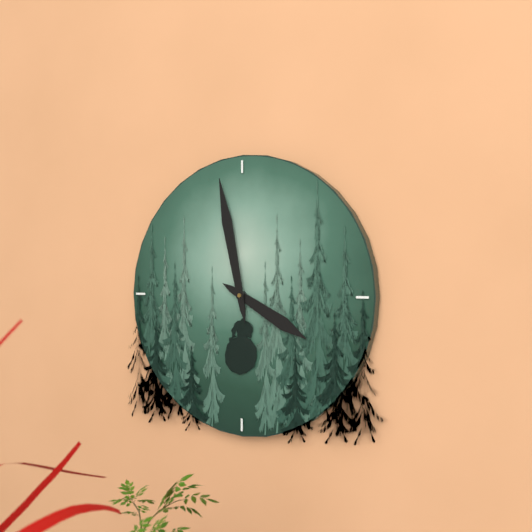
{"hour": 3, "minute": 58}
